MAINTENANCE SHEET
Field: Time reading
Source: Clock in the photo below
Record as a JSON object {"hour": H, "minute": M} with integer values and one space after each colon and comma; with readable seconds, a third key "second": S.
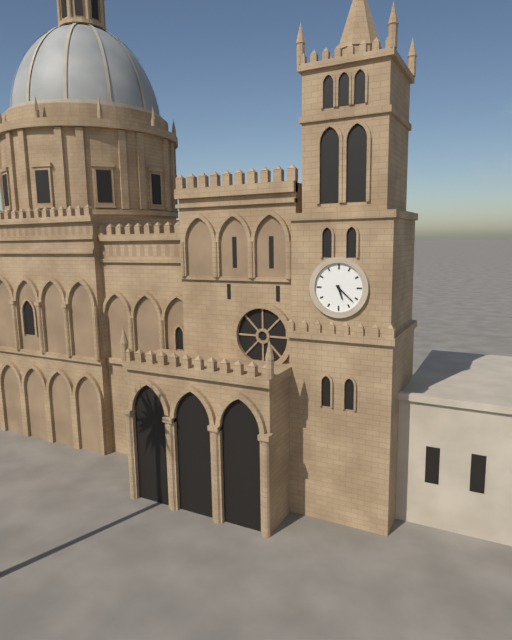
{"hour": 5, "minute": 22}
